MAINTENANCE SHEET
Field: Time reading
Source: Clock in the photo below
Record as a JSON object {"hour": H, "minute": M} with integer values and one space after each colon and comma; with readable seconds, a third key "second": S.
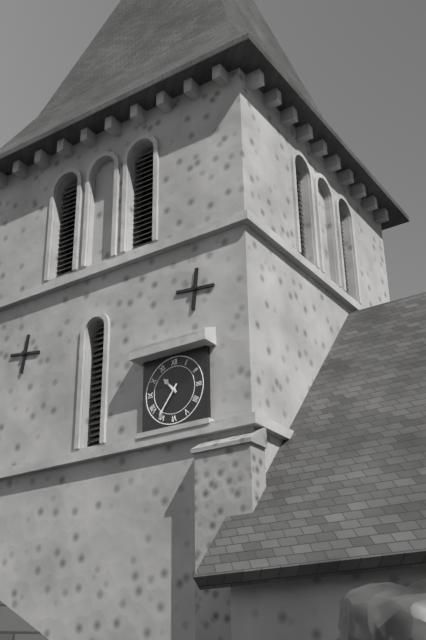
{"hour": 10, "minute": 36}
